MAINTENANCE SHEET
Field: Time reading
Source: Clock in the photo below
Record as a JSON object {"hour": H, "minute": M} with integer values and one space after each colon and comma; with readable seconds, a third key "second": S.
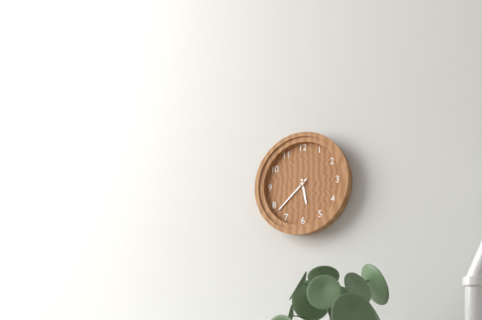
{"hour": 5, "minute": 38}
